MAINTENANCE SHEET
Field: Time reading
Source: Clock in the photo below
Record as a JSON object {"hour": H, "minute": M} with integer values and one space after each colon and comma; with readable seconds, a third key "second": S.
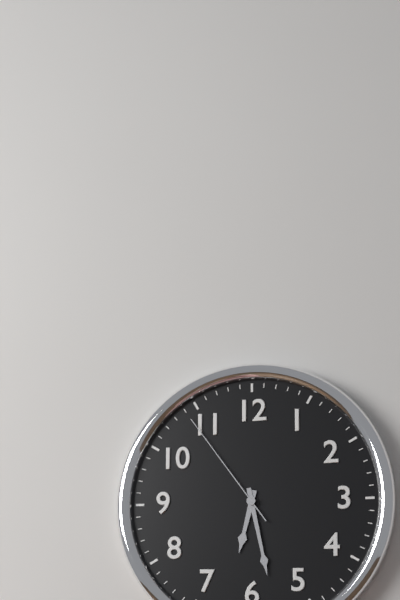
{"hour": 6, "minute": 28, "second": 54}
